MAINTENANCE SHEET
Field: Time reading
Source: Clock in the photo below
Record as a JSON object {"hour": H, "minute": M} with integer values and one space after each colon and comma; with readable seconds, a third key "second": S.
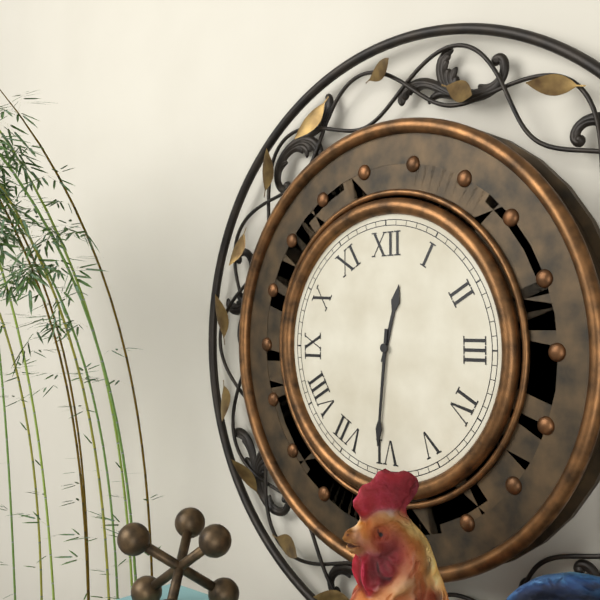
{"hour": 12, "minute": 31}
